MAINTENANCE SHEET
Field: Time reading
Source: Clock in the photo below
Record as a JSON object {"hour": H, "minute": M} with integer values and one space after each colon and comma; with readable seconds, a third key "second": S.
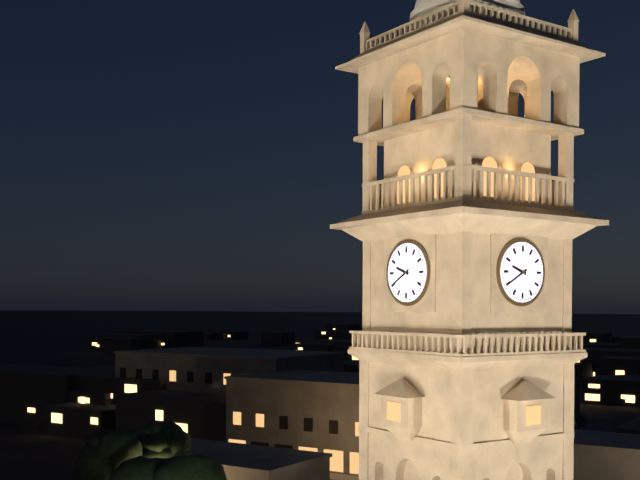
{"hour": 9, "minute": 40}
